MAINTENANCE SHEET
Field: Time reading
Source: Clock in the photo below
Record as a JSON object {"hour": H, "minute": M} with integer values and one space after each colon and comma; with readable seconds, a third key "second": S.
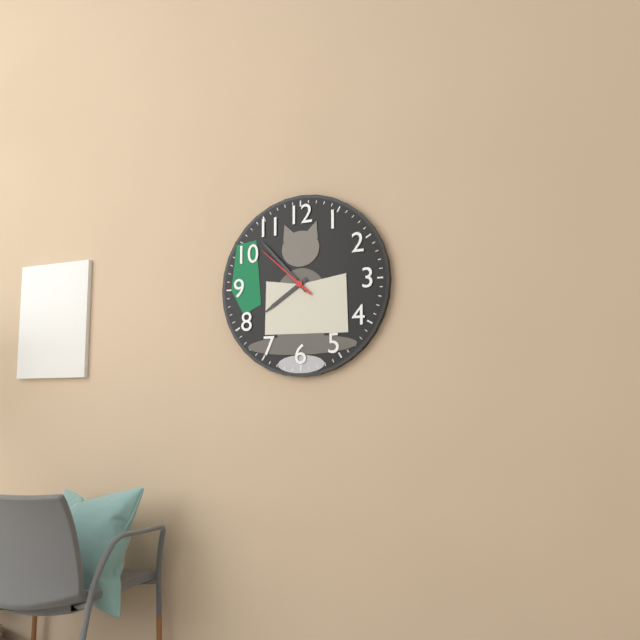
{"hour": 7, "minute": 53, "second": 52}
